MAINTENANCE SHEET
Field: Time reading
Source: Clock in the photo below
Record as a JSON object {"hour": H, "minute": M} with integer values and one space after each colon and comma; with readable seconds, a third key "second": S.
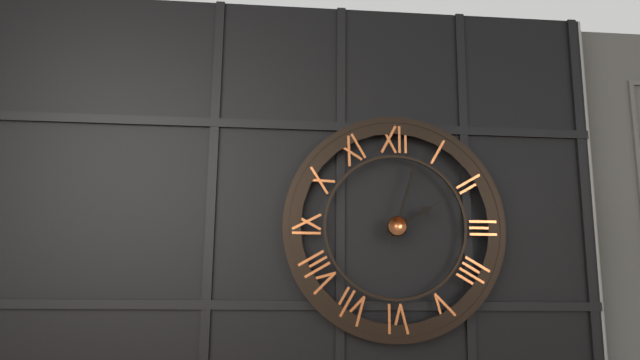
{"hour": 2, "minute": 3, "second": 10}
